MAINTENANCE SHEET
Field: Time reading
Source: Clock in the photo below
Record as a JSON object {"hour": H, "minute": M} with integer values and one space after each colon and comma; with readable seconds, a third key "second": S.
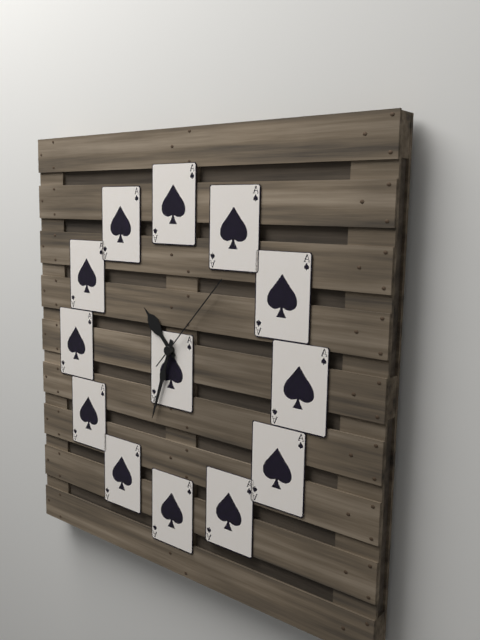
{"hour": 10, "minute": 33, "second": 7}
